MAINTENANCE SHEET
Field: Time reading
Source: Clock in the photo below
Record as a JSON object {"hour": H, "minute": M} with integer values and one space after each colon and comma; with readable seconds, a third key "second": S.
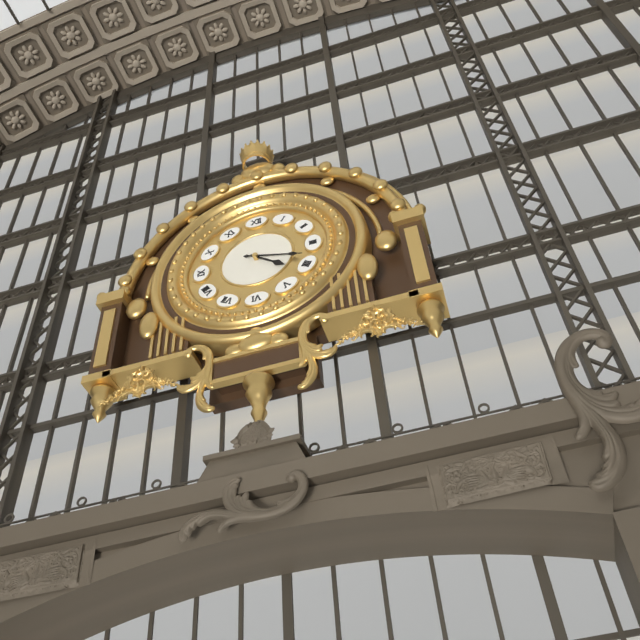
{"hour": 4, "minute": 18}
